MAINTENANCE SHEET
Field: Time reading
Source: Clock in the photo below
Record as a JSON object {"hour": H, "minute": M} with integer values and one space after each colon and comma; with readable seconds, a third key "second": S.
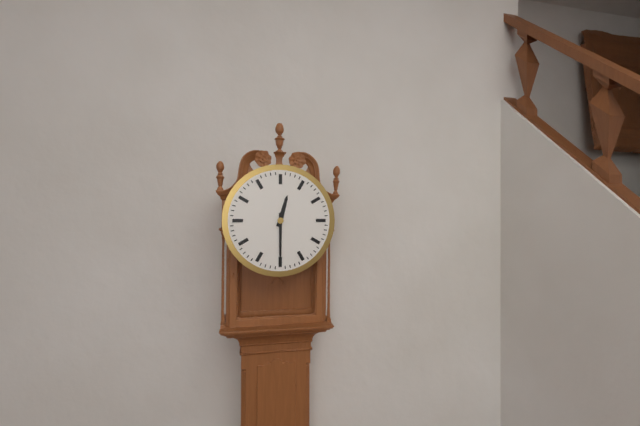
{"hour": 12, "minute": 30}
